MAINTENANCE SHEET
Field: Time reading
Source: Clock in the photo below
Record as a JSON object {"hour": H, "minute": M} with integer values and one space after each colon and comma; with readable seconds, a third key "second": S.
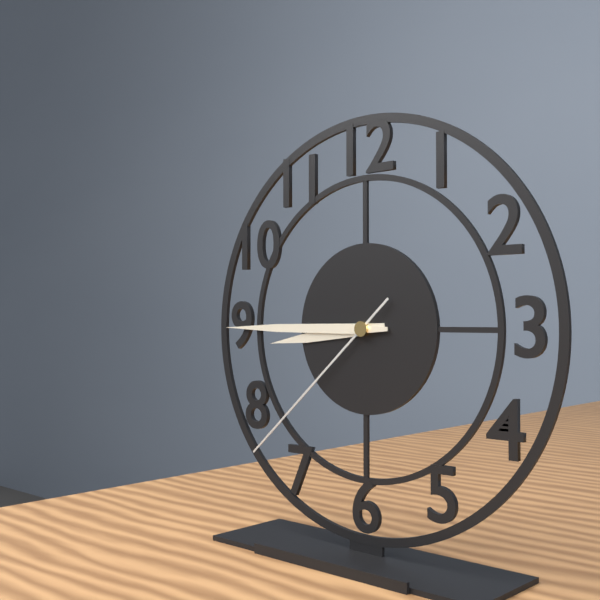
{"hour": 8, "minute": 45, "second": 38}
